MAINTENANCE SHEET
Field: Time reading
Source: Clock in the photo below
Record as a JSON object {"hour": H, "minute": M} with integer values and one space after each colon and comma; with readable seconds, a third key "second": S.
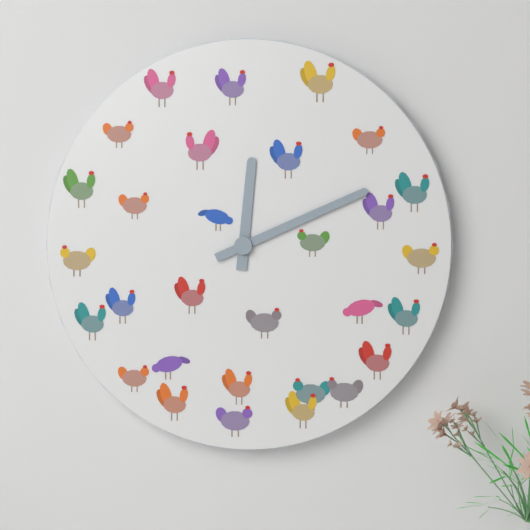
{"hour": 12, "minute": 11}
